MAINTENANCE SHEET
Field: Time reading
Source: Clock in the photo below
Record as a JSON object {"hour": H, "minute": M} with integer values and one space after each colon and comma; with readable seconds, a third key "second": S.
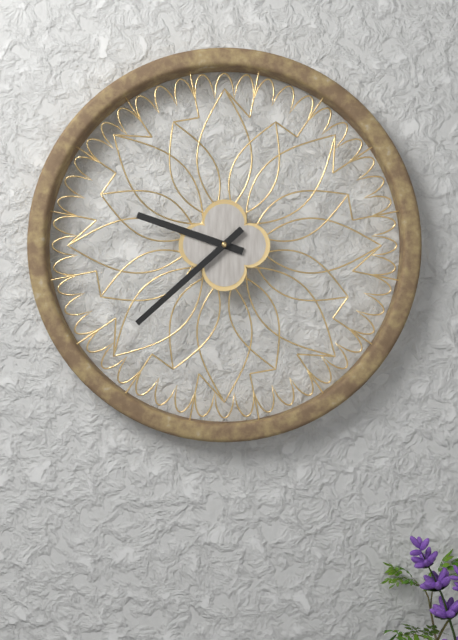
{"hour": 9, "minute": 38}
